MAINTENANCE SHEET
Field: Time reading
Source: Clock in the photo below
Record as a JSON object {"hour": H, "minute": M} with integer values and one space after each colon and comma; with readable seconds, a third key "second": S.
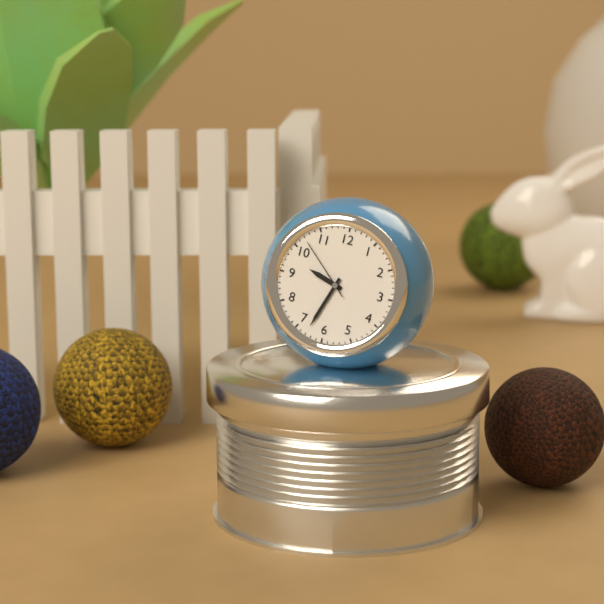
{"hour": 9, "minute": 33, "second": 52}
